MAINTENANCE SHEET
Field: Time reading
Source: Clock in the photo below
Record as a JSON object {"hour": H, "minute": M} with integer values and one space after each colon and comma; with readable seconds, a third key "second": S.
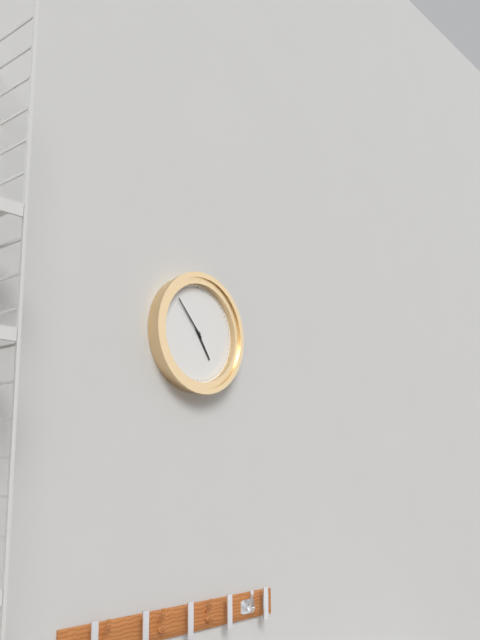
{"hour": 4, "minute": 53}
